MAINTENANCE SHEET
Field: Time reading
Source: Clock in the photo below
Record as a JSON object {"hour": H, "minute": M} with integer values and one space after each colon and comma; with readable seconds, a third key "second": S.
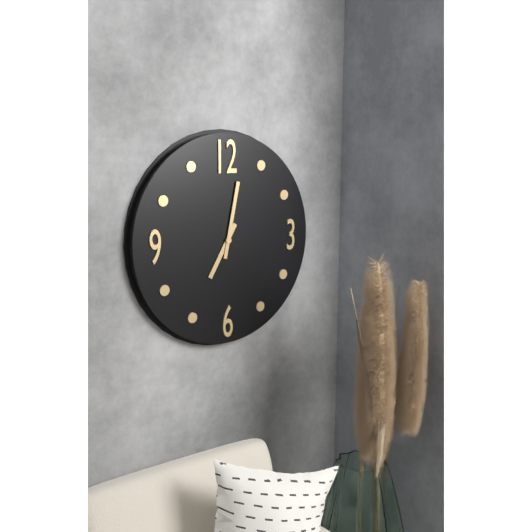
{"hour": 7, "minute": 2}
